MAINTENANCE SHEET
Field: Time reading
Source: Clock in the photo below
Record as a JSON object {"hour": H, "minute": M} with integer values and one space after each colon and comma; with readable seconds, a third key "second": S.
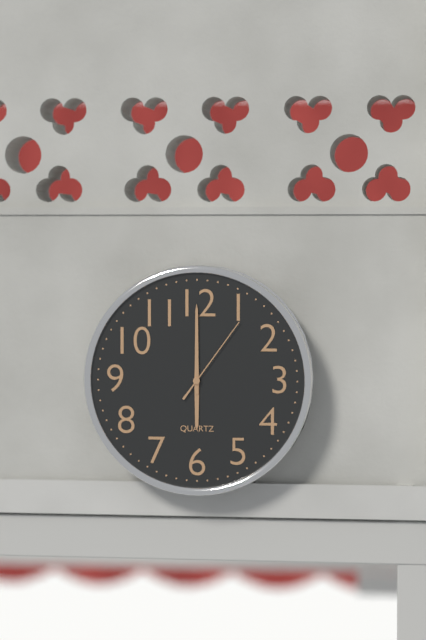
{"hour": 6, "minute": 0, "second": 6}
